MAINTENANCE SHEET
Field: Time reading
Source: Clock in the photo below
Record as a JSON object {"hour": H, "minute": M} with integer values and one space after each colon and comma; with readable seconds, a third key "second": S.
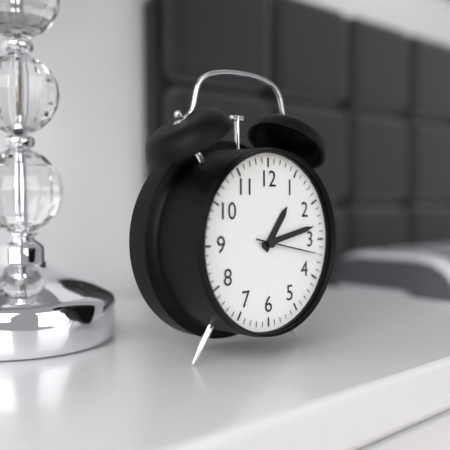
{"hour": 1, "minute": 13, "second": 17}
